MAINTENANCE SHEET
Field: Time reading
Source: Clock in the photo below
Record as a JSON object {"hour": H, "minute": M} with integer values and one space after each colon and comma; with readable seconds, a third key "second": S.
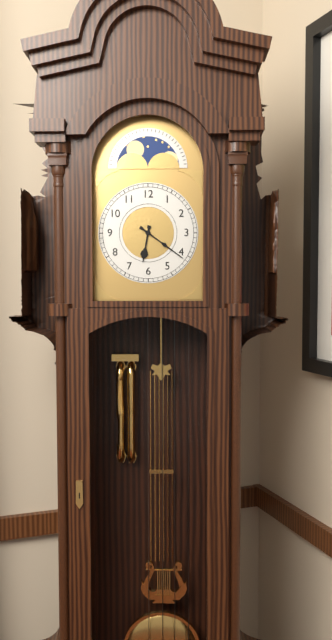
{"hour": 6, "minute": 21}
